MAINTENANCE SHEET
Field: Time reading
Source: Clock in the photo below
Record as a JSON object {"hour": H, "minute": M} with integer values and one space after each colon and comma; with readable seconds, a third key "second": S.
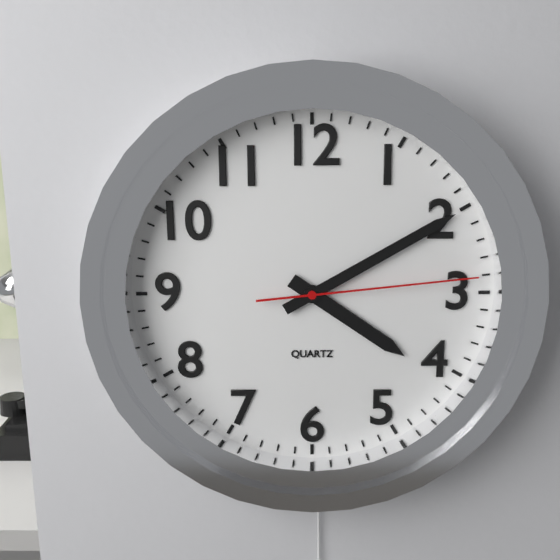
{"hour": 4, "minute": 10, "second": 14}
